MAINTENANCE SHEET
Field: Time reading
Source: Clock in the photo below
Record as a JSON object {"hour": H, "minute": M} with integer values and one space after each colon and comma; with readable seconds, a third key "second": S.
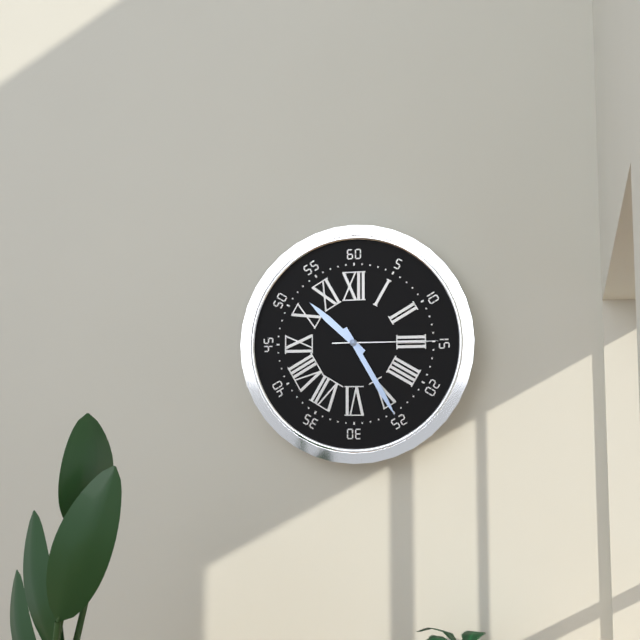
{"hour": 10, "minute": 25, "second": 15}
